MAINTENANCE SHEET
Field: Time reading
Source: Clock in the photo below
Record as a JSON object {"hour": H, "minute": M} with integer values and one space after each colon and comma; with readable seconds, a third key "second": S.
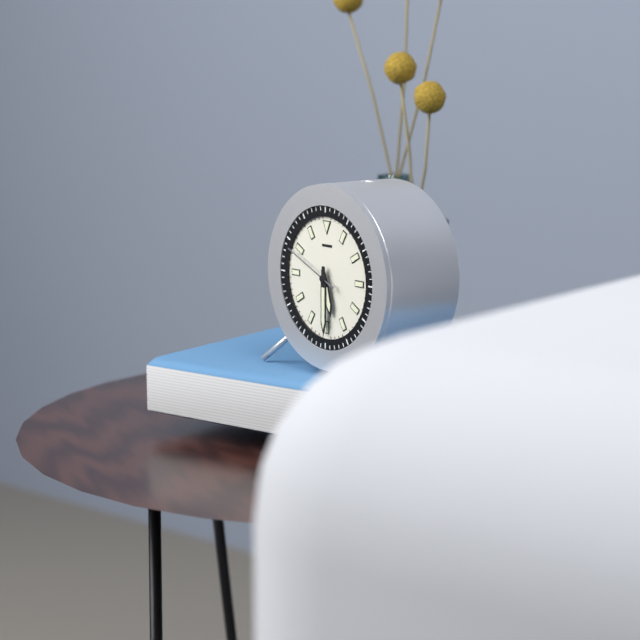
{"hour": 5, "minute": 30, "second": 49}
